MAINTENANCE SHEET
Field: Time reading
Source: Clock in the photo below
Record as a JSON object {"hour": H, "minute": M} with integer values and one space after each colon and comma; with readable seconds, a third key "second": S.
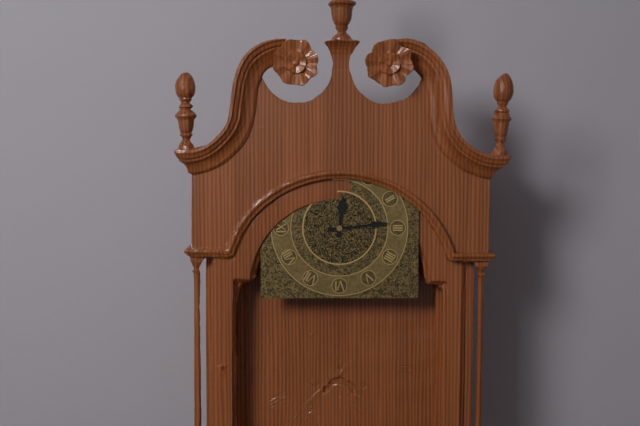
{"hour": 12, "minute": 14}
